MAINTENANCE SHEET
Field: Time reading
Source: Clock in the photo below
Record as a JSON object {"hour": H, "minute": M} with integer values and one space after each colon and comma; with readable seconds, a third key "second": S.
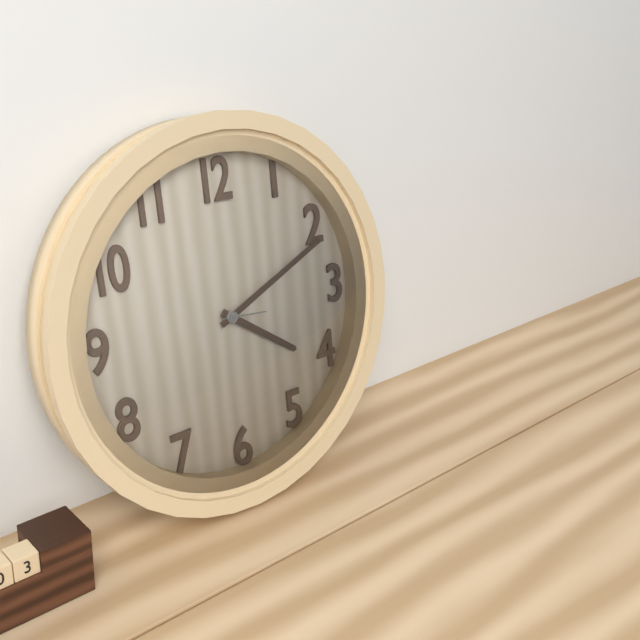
{"hour": 4, "minute": 11}
